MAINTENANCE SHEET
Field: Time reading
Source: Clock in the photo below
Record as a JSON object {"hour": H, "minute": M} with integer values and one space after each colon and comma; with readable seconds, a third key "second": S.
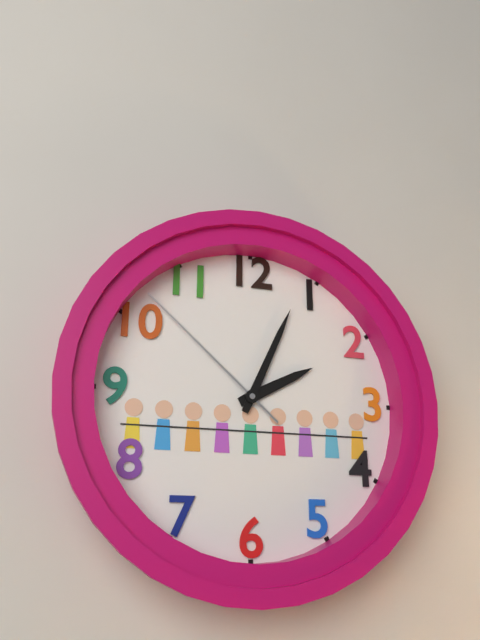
{"hour": 2, "minute": 4, "second": 52}
